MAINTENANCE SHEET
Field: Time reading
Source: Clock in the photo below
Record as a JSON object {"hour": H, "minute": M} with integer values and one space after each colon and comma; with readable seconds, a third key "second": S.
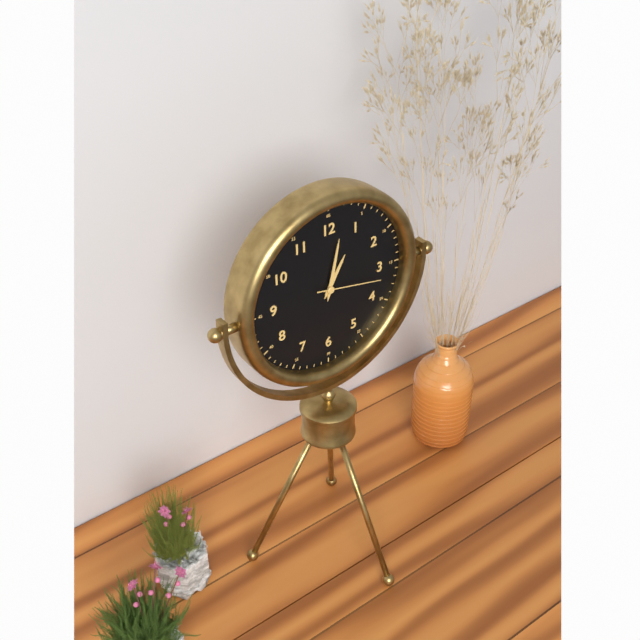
{"hour": 1, "minute": 2, "second": 17}
